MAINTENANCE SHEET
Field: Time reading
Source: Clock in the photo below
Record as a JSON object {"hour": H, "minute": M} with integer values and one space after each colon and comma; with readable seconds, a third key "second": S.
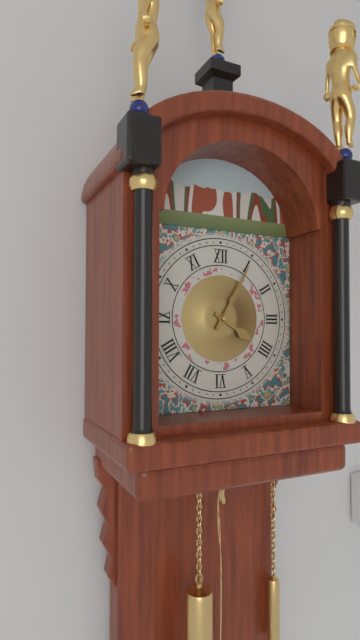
{"hour": 4, "minute": 5}
